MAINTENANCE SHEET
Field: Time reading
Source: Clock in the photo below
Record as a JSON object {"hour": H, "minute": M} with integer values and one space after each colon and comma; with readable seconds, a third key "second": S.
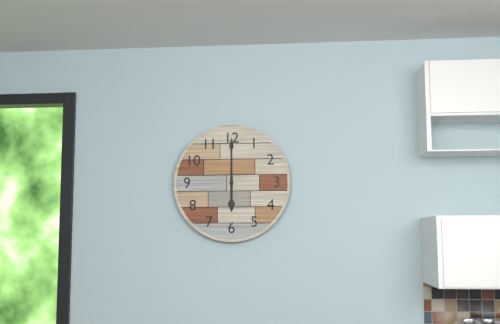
{"hour": 6, "minute": 0}
